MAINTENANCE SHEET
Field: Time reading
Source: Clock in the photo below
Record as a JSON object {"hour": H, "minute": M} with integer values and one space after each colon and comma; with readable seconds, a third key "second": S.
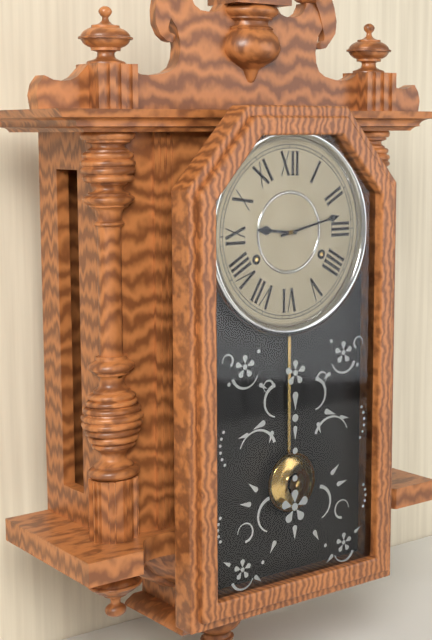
{"hour": 9, "minute": 13}
